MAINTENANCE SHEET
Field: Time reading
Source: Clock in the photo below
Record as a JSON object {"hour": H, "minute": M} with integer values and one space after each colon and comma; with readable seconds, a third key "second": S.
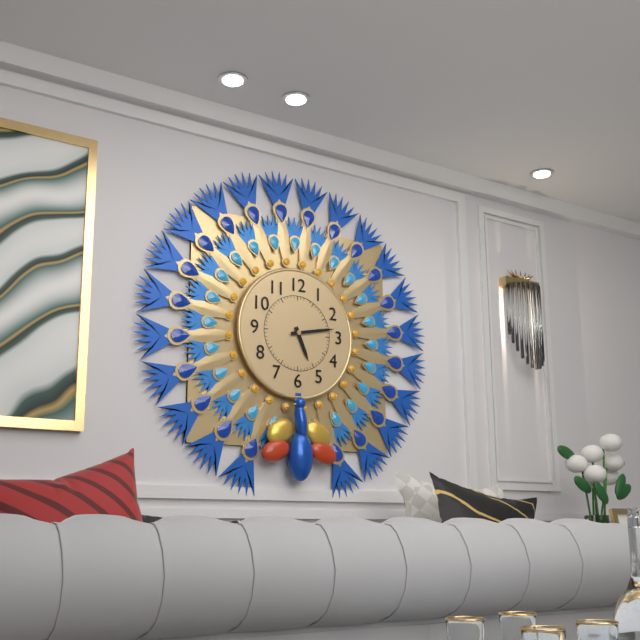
{"hour": 5, "minute": 13}
